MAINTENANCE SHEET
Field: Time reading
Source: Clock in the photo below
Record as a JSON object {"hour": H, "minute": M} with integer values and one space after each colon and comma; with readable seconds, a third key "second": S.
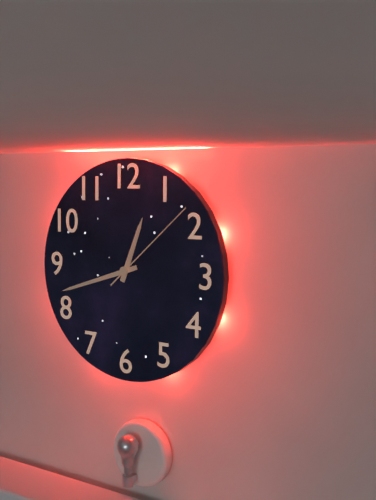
{"hour": 12, "minute": 42, "second": 8}
